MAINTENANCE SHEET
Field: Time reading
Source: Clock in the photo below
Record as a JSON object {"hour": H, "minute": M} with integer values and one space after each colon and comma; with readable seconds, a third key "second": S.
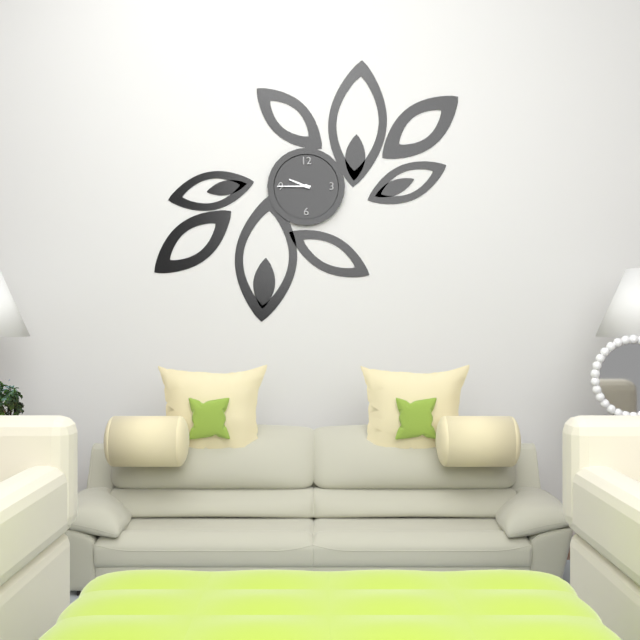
{"hour": 9, "minute": 45}
